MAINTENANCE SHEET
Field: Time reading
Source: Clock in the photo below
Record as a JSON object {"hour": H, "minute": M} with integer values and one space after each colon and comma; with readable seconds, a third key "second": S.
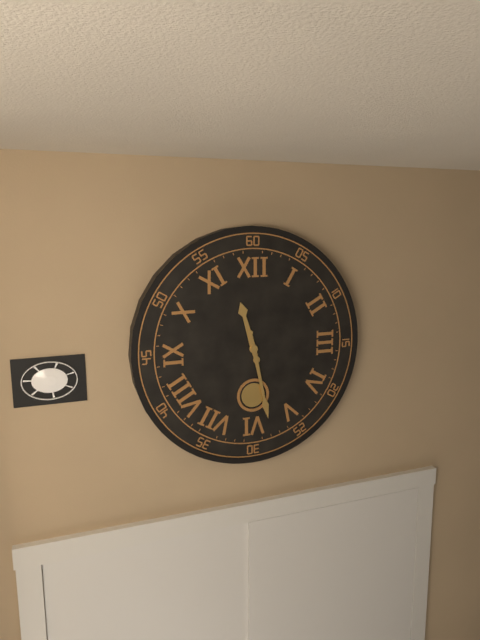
{"hour": 11, "minute": 28}
